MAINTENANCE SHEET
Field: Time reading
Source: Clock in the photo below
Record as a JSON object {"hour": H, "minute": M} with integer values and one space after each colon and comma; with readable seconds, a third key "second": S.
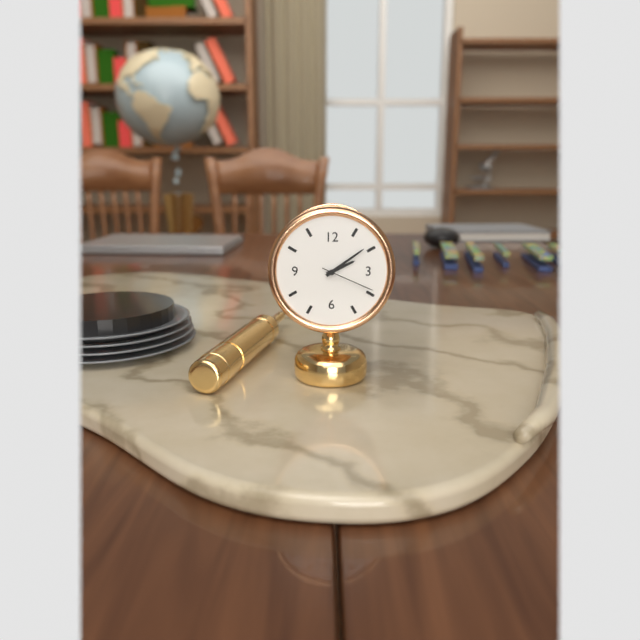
{"hour": 2, "minute": 9, "second": 19}
